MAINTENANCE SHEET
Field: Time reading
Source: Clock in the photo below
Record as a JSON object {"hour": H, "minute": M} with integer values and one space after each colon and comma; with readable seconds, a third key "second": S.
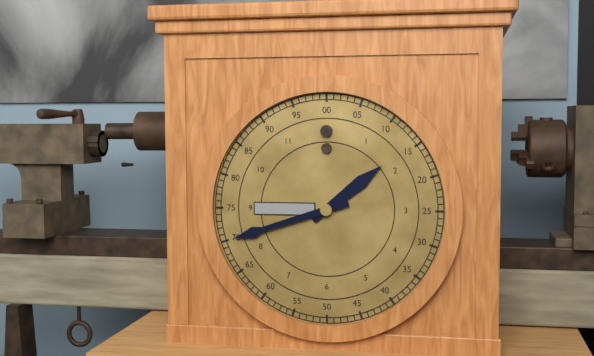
{"hour": 1, "minute": 42}
